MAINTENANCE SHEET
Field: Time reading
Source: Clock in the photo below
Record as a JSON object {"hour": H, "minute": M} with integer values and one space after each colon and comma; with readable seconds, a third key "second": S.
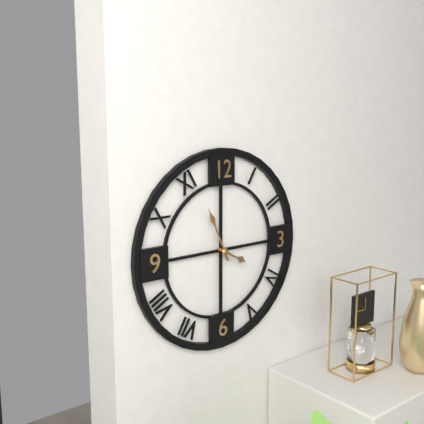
{"hour": 3, "minute": 56}
